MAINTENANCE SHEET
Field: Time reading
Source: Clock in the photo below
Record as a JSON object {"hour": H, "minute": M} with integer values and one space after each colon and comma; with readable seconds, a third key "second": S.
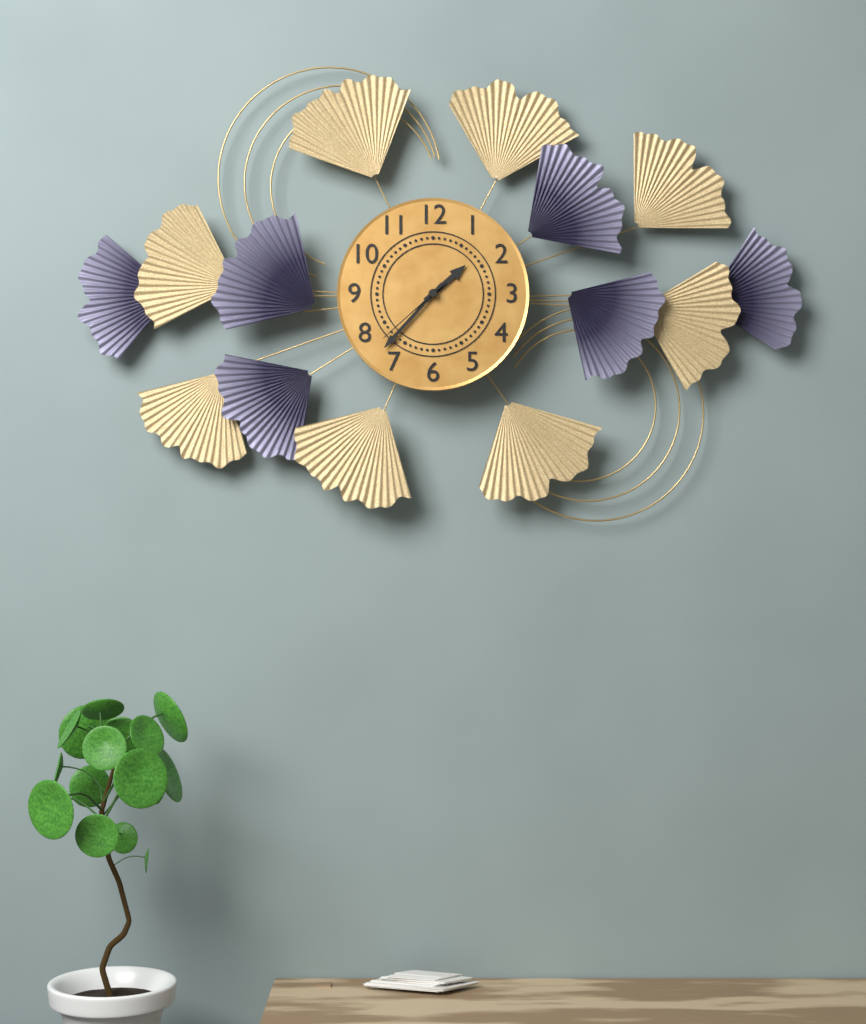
{"hour": 1, "minute": 37, "second": 38}
